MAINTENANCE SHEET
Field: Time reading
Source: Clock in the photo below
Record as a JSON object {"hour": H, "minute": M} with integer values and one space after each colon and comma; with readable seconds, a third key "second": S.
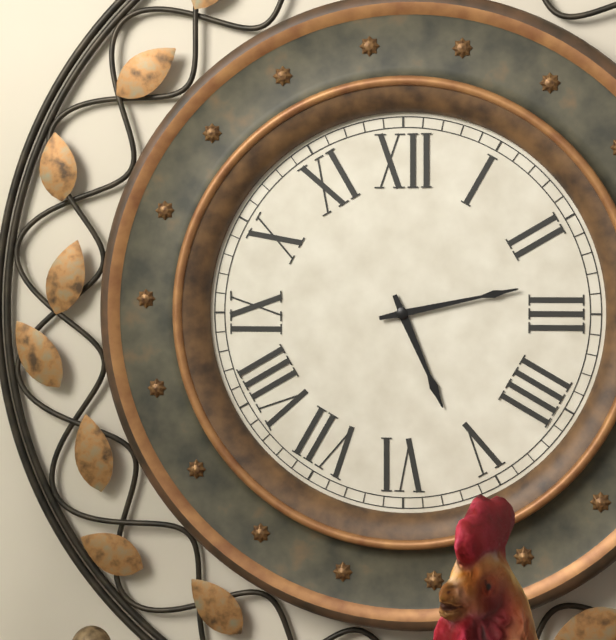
{"hour": 5, "minute": 13}
